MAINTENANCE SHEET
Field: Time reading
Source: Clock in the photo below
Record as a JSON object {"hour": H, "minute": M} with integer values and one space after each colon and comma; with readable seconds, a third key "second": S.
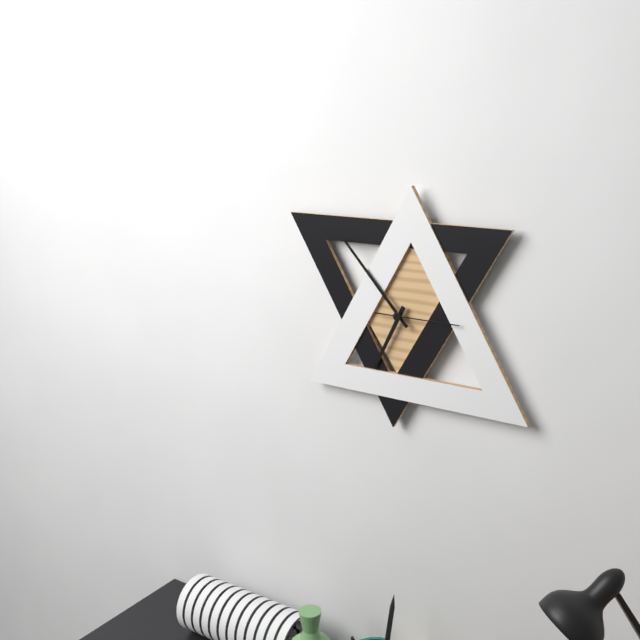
{"hour": 6, "minute": 53, "second": 15}
